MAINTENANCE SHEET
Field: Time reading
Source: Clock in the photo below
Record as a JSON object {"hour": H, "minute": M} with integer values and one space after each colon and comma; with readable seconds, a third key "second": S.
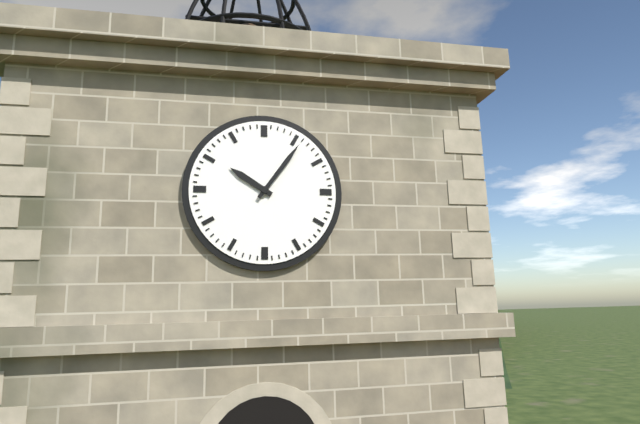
{"hour": 10, "minute": 6}
